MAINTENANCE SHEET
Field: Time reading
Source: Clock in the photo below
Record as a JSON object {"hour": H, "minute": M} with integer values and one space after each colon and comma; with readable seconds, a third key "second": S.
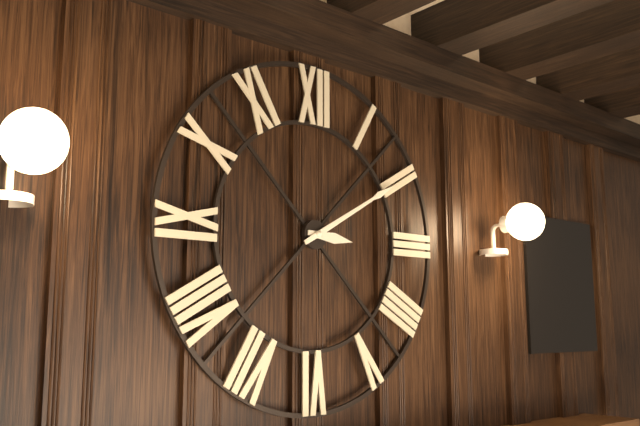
{"hour": 3, "minute": 10}
